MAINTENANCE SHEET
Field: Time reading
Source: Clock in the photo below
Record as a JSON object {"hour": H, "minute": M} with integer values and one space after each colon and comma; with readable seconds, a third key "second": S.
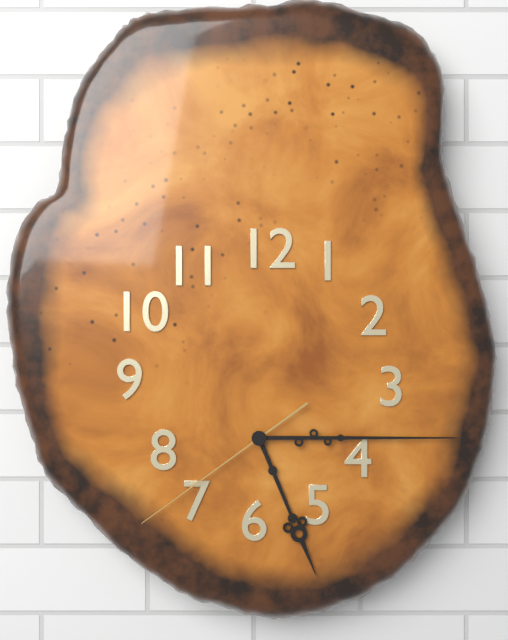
{"hour": 5, "minute": 15, "second": 39}
